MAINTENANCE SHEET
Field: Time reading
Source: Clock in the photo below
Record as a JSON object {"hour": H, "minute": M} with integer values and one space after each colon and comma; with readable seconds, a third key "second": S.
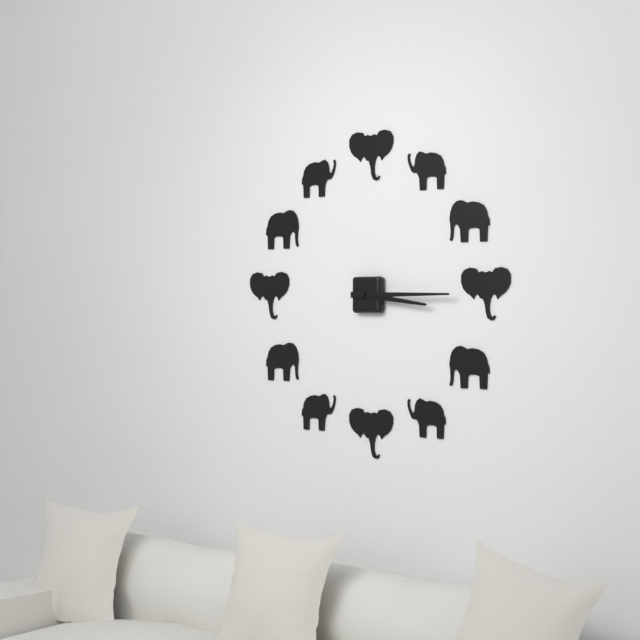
{"hour": 3, "minute": 15}
